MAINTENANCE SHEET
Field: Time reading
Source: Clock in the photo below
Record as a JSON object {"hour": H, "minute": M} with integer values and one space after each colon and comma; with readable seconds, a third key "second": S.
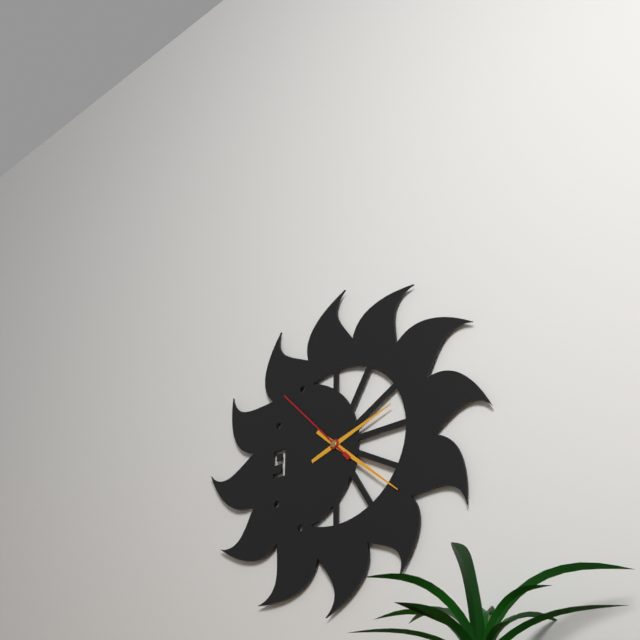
{"hour": 2, "minute": 22, "second": 53}
